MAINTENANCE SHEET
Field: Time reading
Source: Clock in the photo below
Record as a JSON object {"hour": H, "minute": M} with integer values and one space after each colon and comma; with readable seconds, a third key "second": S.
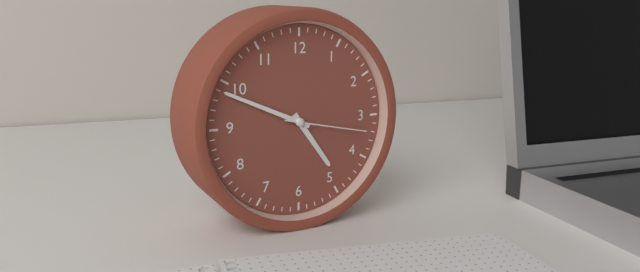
{"hour": 4, "minute": 49, "second": 17}
